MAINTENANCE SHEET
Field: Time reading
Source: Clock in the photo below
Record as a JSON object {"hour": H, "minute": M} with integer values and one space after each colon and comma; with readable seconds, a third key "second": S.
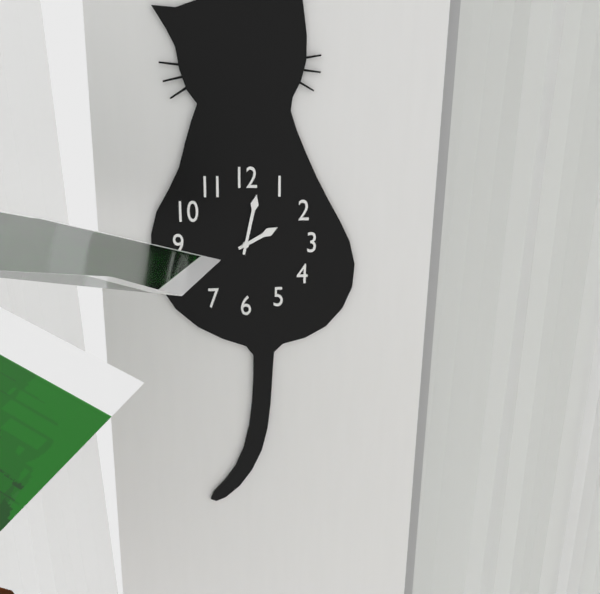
{"hour": 2, "minute": 2}
